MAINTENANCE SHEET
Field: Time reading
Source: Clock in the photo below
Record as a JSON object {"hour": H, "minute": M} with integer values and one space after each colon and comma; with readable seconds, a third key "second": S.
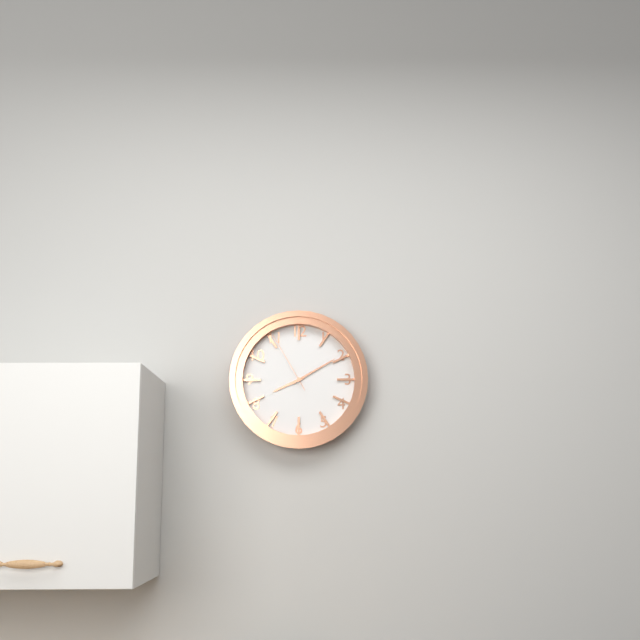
{"hour": 8, "minute": 10, "second": 55}
